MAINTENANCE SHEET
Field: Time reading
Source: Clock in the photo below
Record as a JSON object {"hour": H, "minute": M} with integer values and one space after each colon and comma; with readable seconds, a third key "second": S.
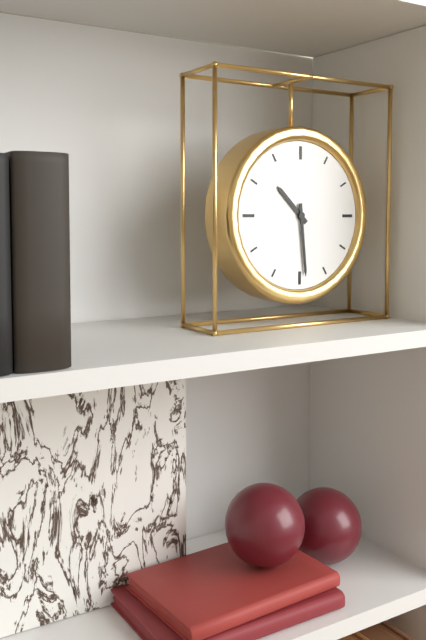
{"hour": 10, "minute": 29}
